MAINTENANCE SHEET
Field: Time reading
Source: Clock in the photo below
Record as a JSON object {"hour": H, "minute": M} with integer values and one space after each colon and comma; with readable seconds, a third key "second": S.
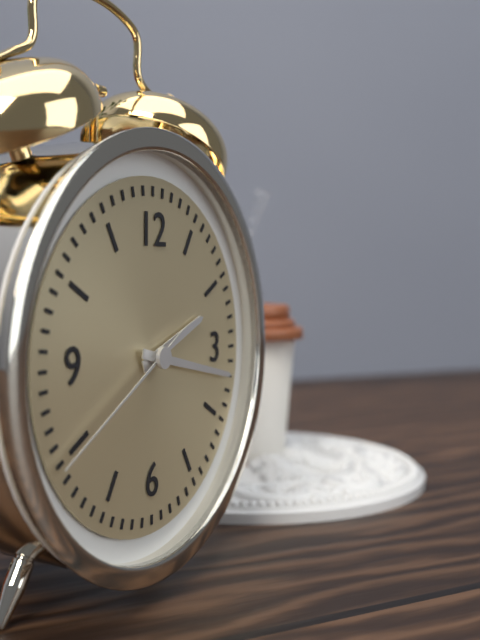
{"hour": 2, "minute": 17, "second": 40}
